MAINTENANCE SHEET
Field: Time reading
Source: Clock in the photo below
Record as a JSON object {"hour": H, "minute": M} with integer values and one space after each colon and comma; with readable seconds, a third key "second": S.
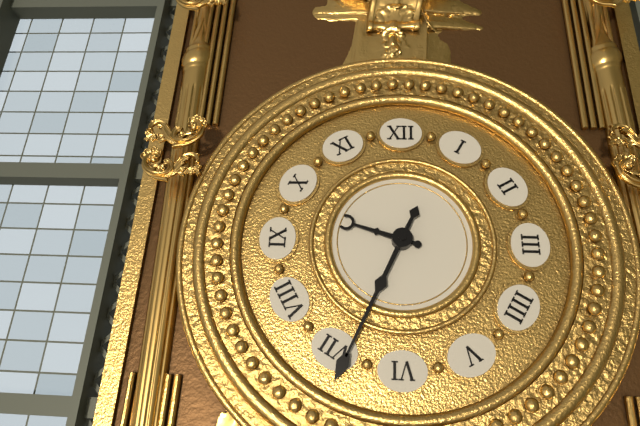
{"hour": 9, "minute": 34}
